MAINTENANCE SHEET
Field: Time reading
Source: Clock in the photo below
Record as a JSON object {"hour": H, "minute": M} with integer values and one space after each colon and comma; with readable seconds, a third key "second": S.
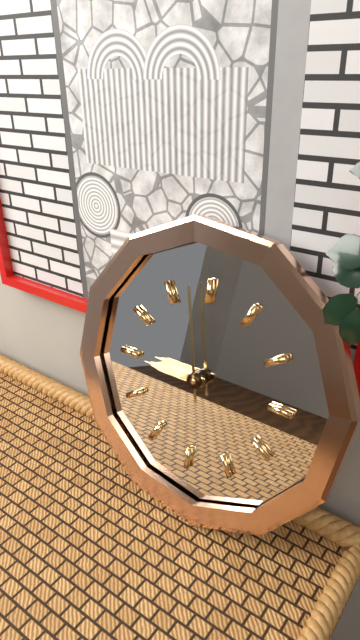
{"hour": 8, "minute": 58}
